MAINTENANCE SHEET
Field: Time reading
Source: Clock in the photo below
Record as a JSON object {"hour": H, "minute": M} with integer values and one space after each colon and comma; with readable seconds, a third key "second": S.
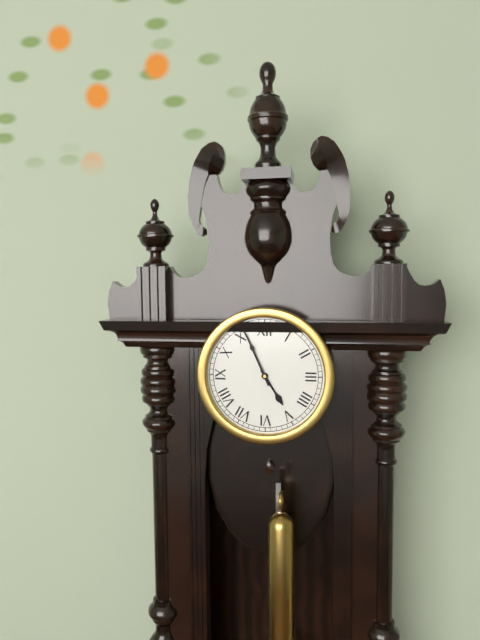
{"hour": 4, "minute": 56}
